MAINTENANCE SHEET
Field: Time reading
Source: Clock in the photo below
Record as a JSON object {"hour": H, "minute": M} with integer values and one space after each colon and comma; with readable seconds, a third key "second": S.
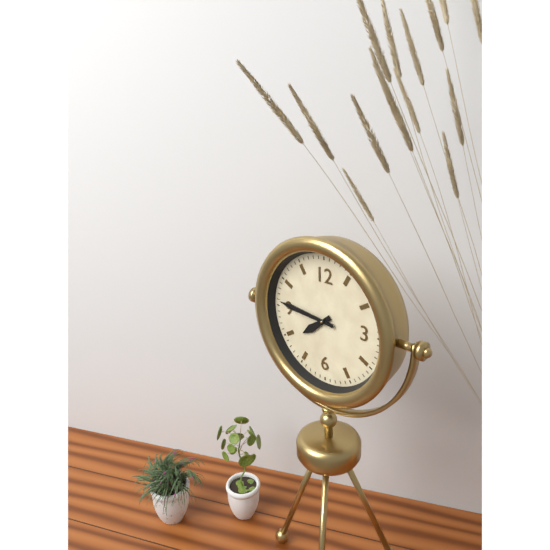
{"hour": 7, "minute": 46}
